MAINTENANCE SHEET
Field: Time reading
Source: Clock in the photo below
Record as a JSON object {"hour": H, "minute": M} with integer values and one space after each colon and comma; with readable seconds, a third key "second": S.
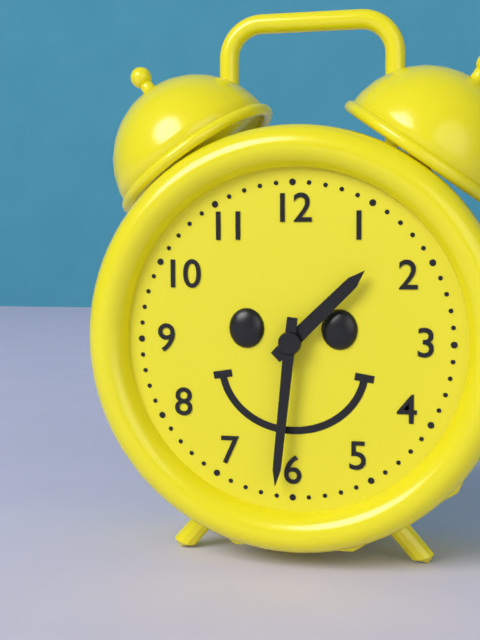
{"hour": 1, "minute": 31}
